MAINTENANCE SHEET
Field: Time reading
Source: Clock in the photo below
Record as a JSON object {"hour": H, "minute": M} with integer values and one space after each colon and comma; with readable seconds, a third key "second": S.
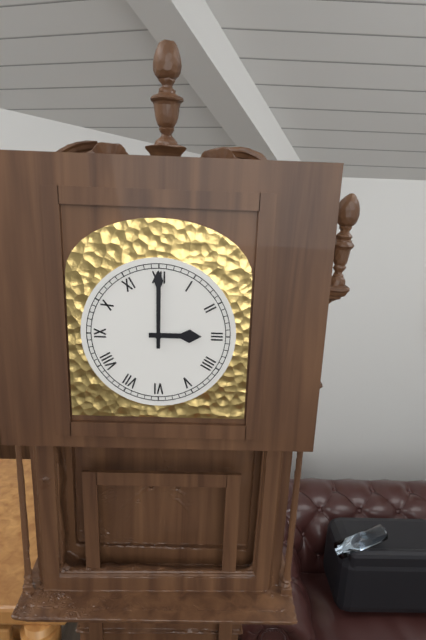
{"hour": 3, "minute": 0}
